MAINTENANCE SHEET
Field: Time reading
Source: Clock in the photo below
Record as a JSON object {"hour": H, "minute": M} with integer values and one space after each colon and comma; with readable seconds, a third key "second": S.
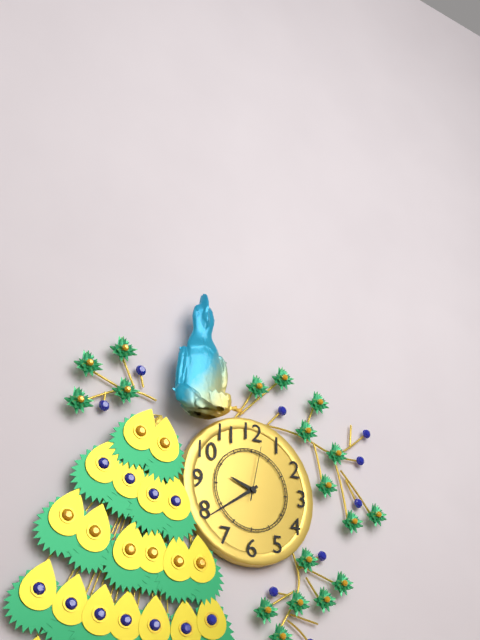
{"hour": 9, "minute": 39, "second": 2}
